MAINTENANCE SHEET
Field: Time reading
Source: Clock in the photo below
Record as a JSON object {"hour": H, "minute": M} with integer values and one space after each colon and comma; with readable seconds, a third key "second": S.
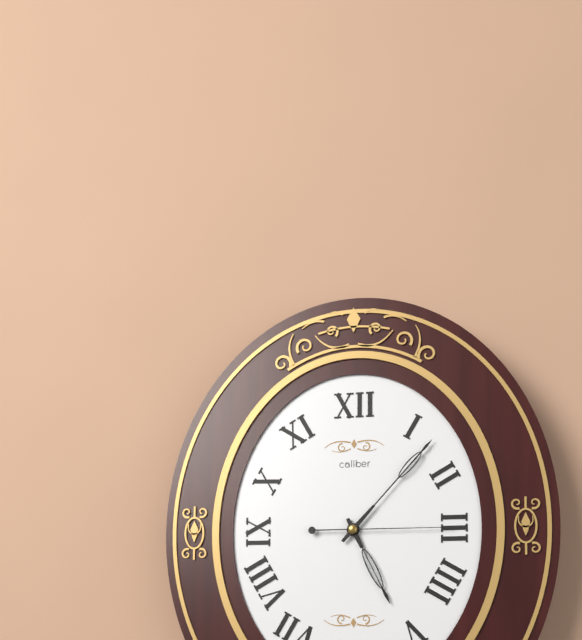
{"hour": 5, "minute": 7, "second": 15}
